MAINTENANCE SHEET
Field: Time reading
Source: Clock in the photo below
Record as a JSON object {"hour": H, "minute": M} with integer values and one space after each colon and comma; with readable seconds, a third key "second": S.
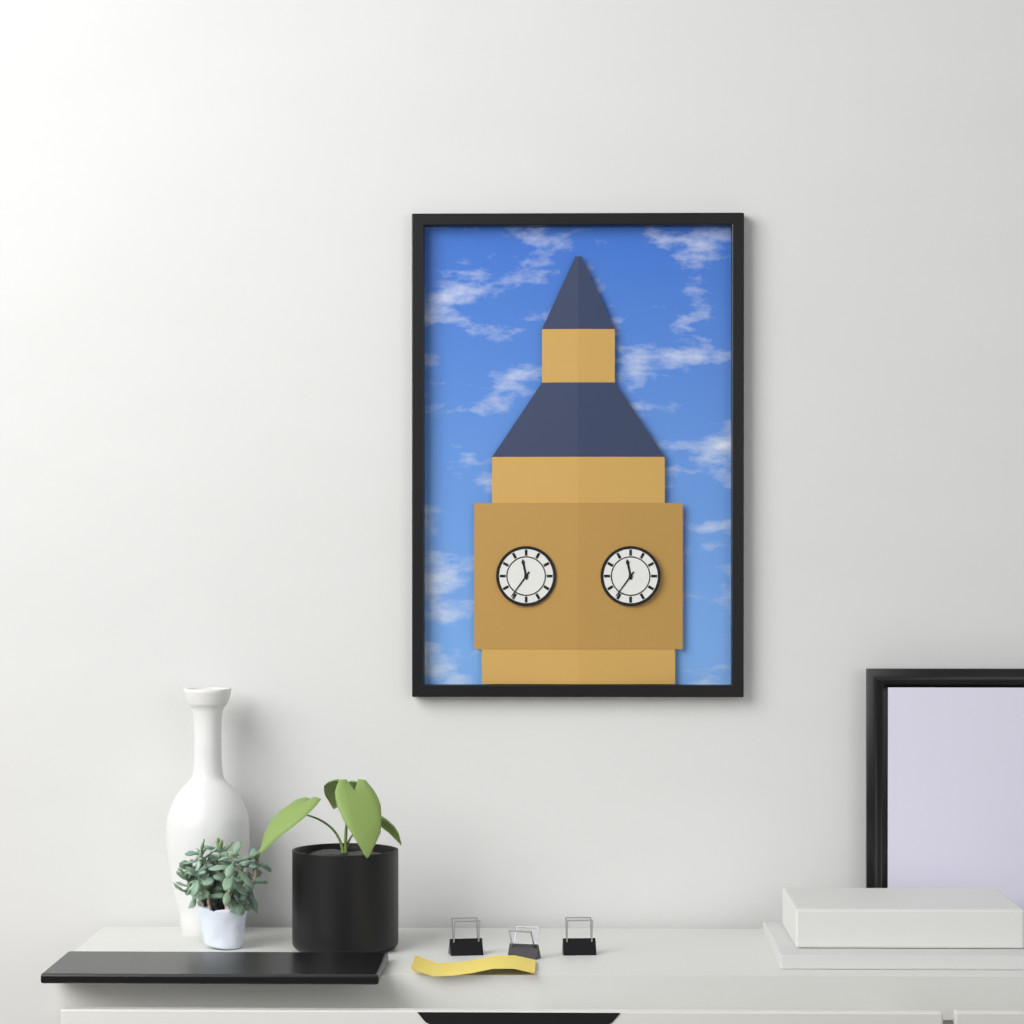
{"hour": 11, "minute": 36}
